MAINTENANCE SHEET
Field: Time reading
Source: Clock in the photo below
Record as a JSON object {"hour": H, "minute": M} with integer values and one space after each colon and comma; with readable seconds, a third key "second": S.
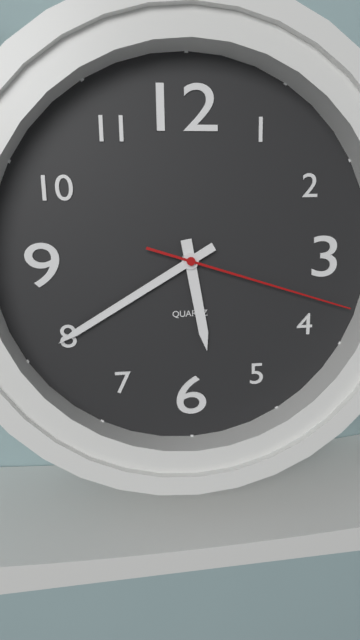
{"hour": 5, "minute": 40, "second": 18}
